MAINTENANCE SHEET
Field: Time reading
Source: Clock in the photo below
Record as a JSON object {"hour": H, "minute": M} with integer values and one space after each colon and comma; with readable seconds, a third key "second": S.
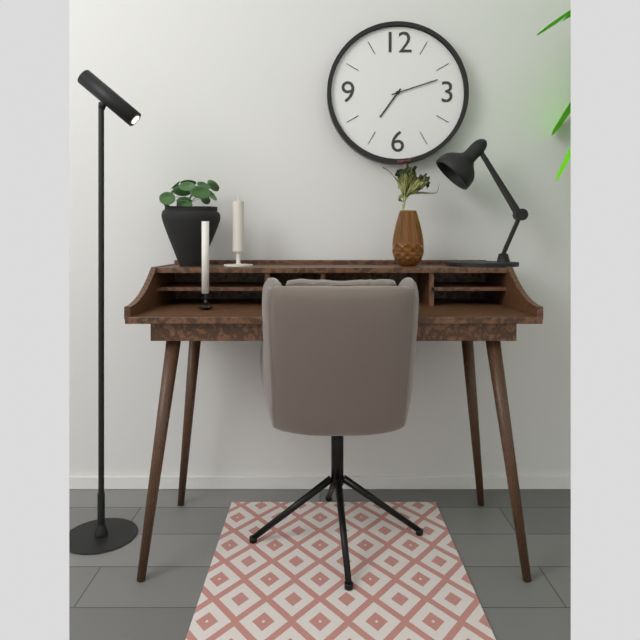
{"hour": 7, "minute": 12}
